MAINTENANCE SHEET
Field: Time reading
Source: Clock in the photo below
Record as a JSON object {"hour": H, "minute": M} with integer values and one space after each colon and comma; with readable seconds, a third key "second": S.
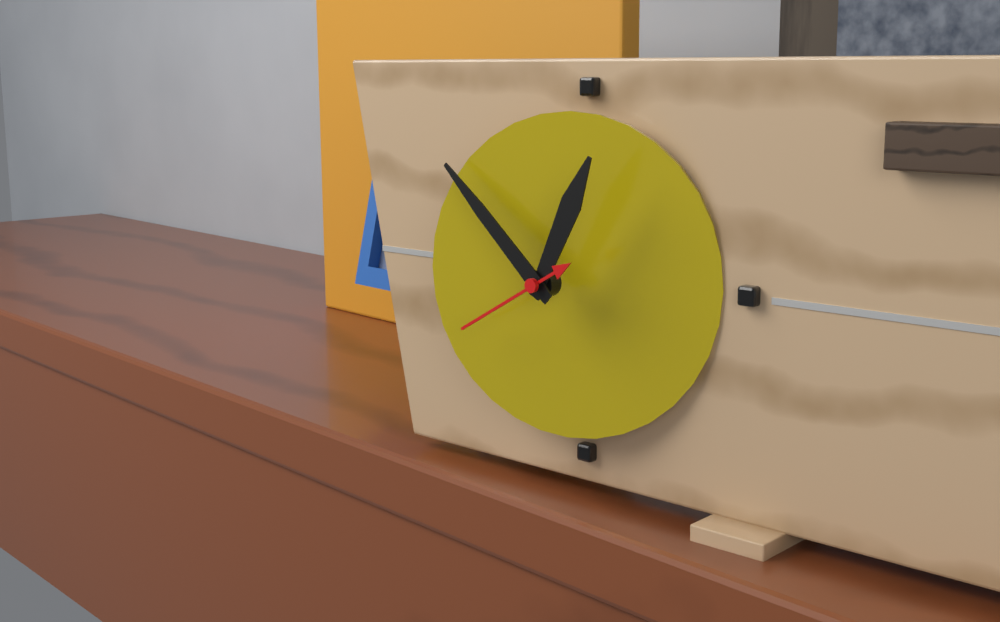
{"hour": 12, "minute": 52, "second": 40}
